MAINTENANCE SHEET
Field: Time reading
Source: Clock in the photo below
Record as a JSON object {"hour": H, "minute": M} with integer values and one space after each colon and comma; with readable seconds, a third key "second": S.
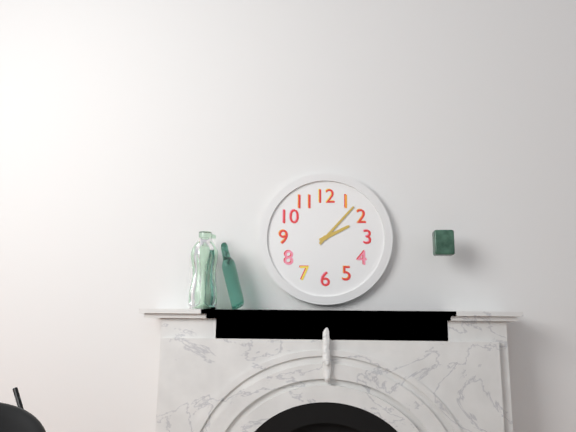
{"hour": 2, "minute": 7}
